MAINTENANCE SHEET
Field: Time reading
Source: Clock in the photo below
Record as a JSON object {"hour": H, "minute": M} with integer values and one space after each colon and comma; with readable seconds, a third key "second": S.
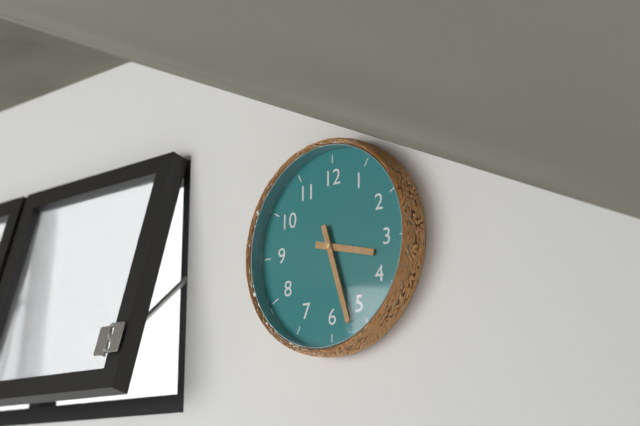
{"hour": 3, "minute": 27}
